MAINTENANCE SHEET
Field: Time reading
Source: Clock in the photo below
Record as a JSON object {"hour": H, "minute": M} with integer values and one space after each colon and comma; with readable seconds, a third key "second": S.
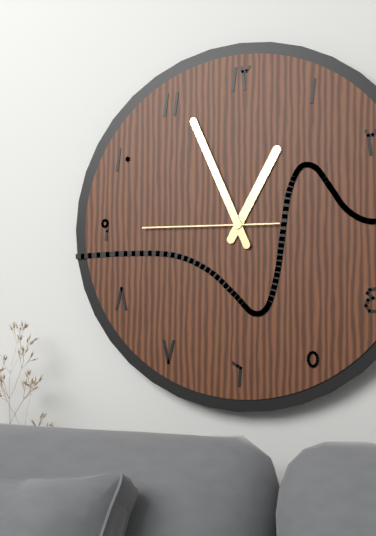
{"hour": 12, "minute": 56, "second": 45}
